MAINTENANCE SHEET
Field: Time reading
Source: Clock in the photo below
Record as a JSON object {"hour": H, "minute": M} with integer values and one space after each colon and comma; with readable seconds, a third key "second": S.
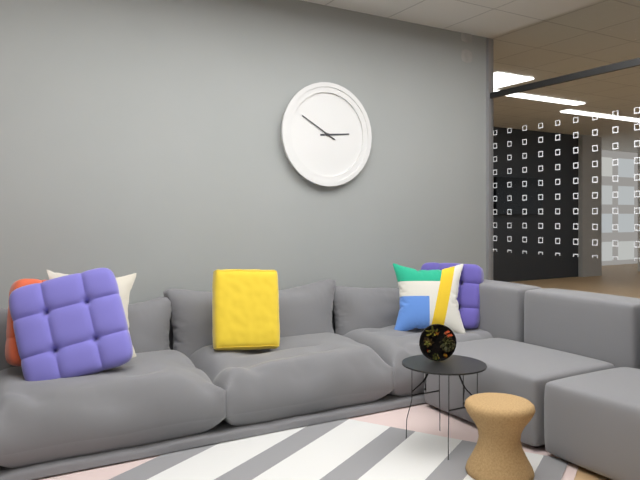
{"hour": 2, "minute": 50}
